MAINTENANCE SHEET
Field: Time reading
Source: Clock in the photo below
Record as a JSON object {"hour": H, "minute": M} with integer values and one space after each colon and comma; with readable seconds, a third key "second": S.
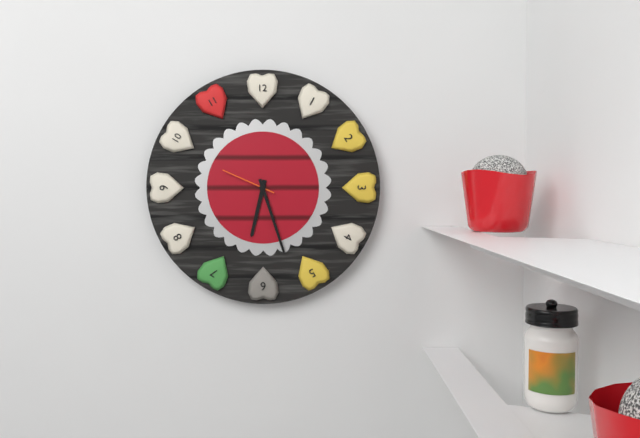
{"hour": 6, "minute": 27, "second": 49}
